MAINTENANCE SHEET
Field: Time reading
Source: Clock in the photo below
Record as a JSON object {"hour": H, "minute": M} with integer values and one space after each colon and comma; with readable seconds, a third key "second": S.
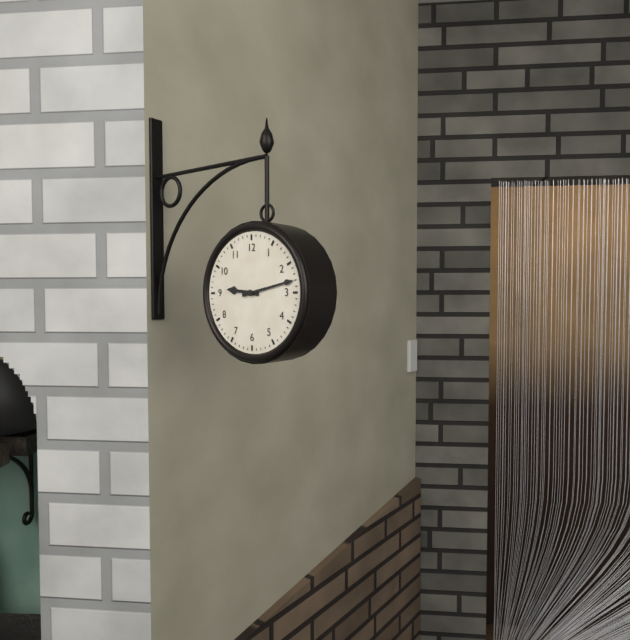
{"hour": 9, "minute": 13}
